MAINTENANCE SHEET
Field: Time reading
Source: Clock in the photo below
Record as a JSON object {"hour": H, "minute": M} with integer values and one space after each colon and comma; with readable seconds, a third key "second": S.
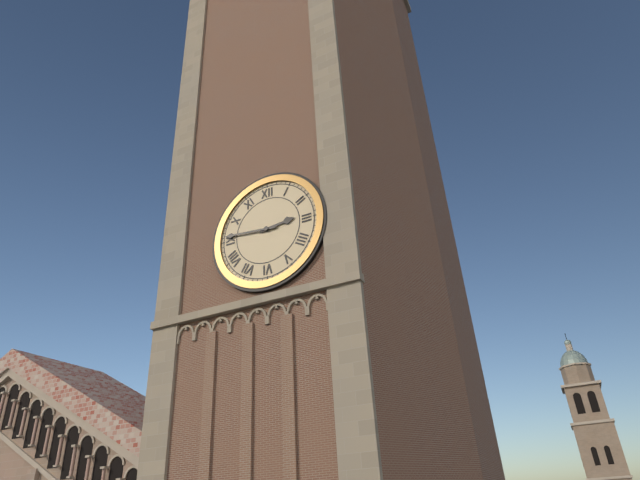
{"hour": 2, "minute": 46}
